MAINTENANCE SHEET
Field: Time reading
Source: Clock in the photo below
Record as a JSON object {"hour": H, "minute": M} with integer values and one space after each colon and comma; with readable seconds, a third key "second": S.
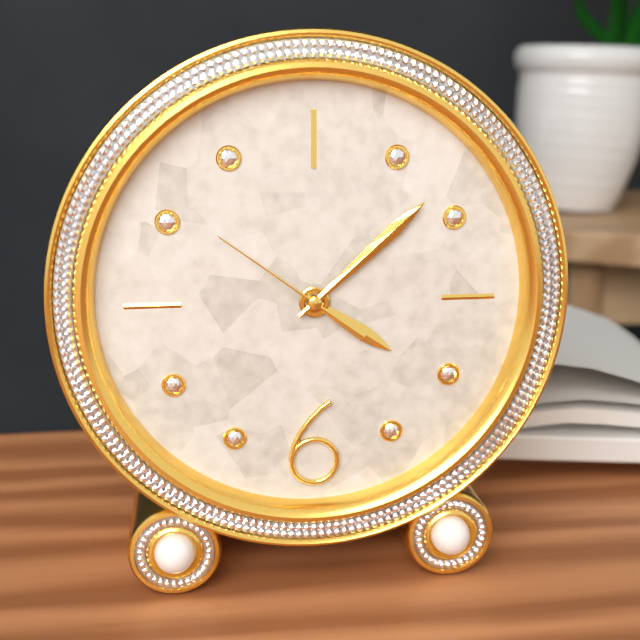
{"hour": 4, "minute": 8, "second": 51}
